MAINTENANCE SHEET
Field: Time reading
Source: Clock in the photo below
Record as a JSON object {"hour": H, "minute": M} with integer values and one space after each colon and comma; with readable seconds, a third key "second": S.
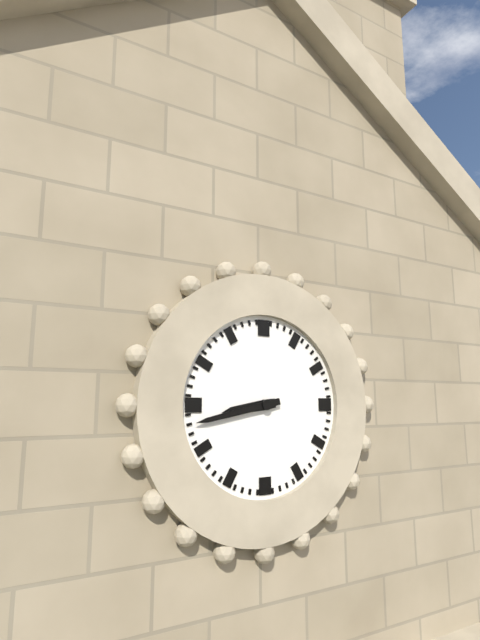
{"hour": 8, "minute": 43}
